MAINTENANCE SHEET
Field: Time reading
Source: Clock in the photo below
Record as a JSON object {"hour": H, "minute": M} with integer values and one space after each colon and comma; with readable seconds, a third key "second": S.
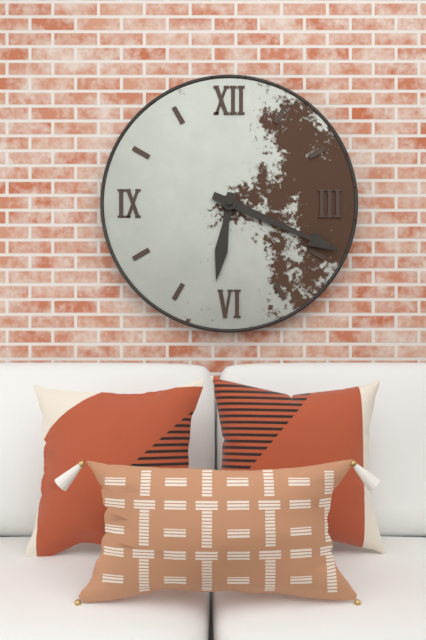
{"hour": 6, "minute": 19}
